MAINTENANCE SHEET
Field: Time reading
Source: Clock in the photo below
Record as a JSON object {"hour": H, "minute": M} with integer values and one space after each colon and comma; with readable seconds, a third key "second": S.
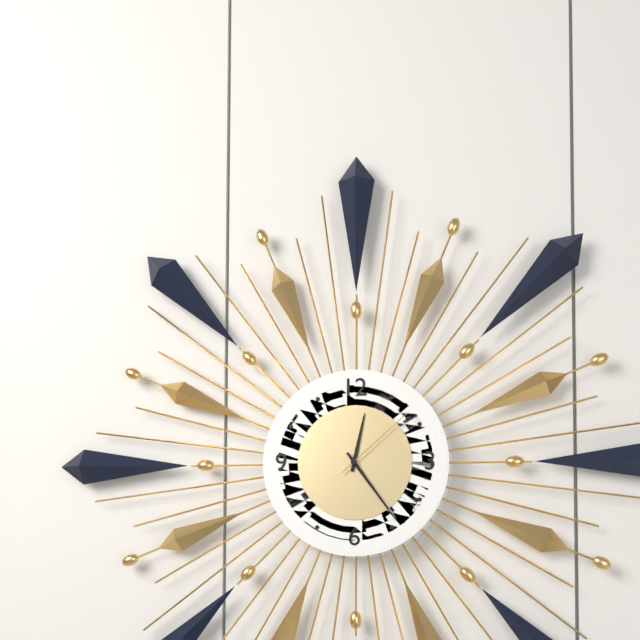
{"hour": 12, "minute": 24, "second": 8}
